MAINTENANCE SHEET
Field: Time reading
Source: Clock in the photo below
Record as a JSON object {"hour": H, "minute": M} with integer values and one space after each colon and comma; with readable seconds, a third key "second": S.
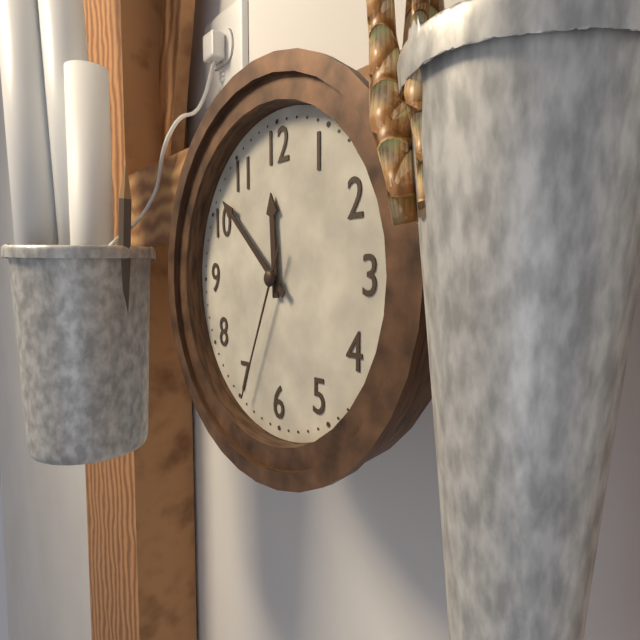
{"hour": 11, "minute": 52, "second": 34}
